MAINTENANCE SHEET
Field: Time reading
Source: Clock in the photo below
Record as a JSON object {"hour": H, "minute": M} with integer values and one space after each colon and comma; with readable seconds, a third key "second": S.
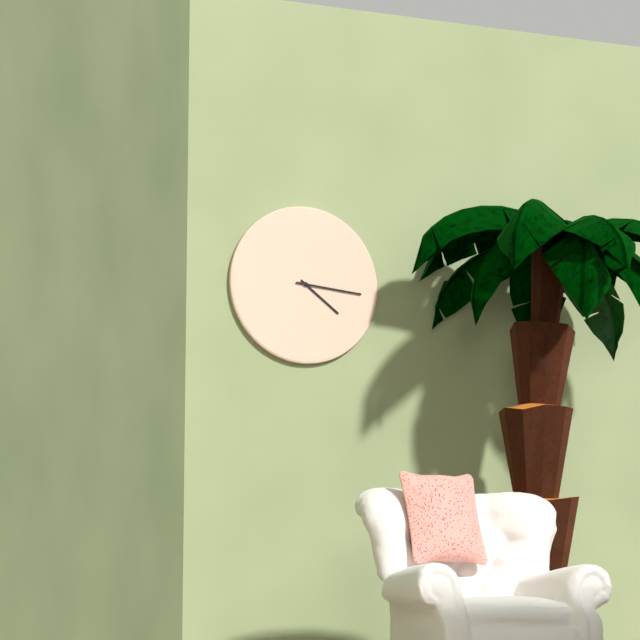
{"hour": 4, "minute": 16}
